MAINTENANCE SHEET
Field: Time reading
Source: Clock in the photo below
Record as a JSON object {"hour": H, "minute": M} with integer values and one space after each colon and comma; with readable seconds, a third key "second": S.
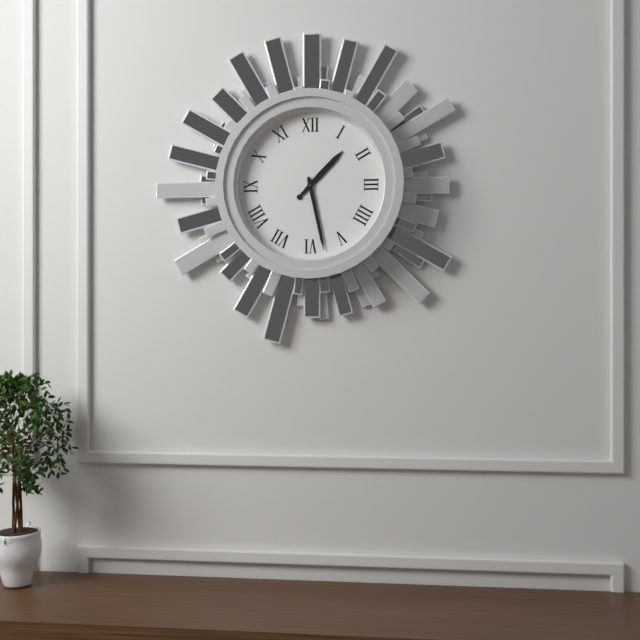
{"hour": 1, "minute": 28}
